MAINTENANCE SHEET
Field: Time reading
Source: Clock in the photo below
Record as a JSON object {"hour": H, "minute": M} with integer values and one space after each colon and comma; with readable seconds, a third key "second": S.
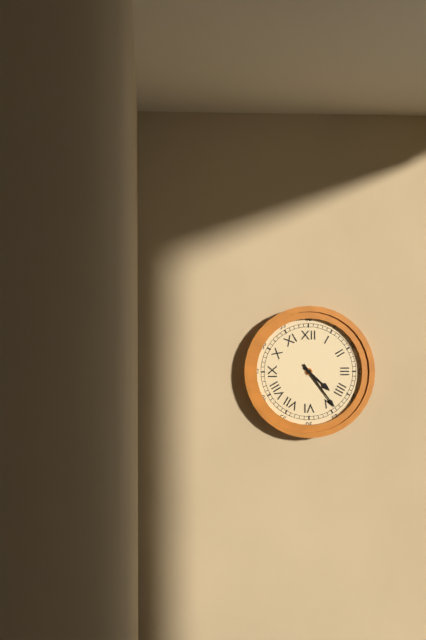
{"hour": 4, "minute": 24}
